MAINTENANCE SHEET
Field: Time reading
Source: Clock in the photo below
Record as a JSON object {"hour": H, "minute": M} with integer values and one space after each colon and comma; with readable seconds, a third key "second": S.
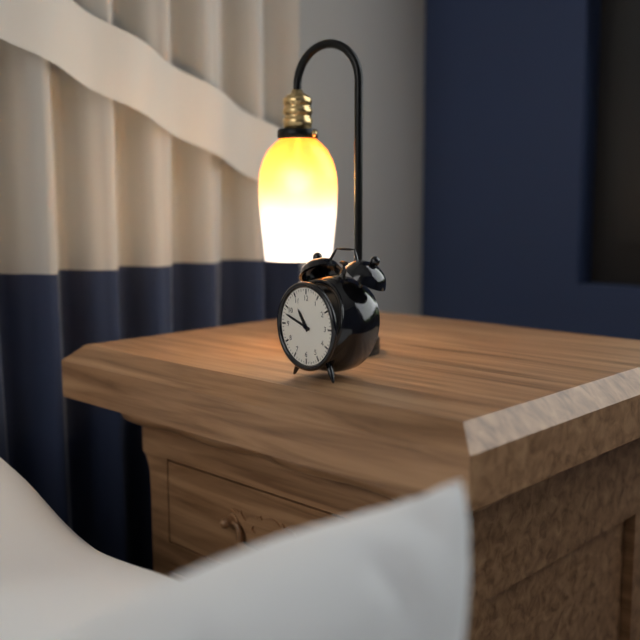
{"hour": 10, "minute": 48}
